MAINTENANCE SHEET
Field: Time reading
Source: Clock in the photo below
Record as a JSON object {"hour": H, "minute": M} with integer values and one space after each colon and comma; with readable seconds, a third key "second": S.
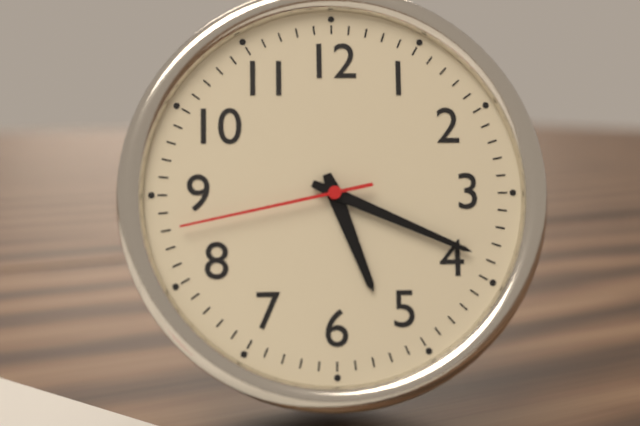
{"hour": 5, "minute": 19, "second": 43}
